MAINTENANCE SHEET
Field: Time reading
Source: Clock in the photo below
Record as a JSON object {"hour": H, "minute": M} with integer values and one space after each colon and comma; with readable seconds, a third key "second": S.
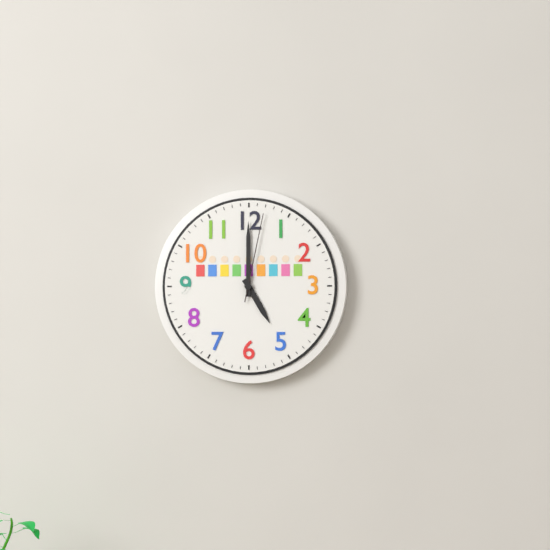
{"hour": 5, "minute": 0, "second": 2}
